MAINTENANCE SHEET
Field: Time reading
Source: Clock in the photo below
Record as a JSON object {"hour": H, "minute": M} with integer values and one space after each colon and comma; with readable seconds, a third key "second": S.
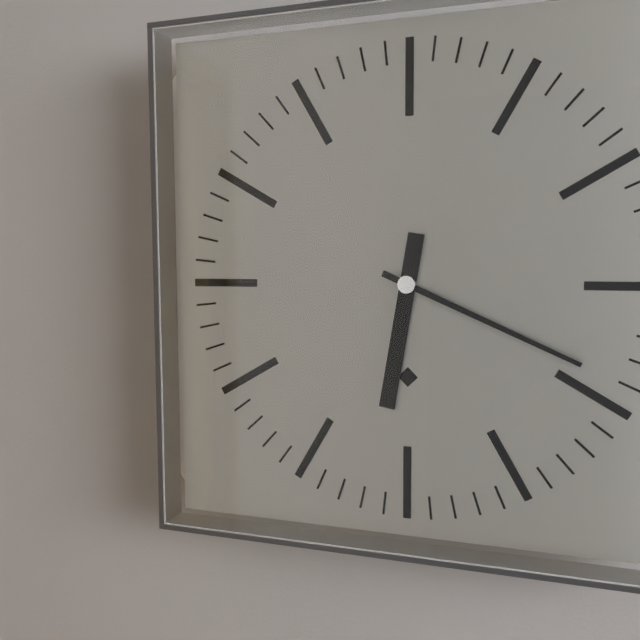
{"hour": 6, "minute": 19}
